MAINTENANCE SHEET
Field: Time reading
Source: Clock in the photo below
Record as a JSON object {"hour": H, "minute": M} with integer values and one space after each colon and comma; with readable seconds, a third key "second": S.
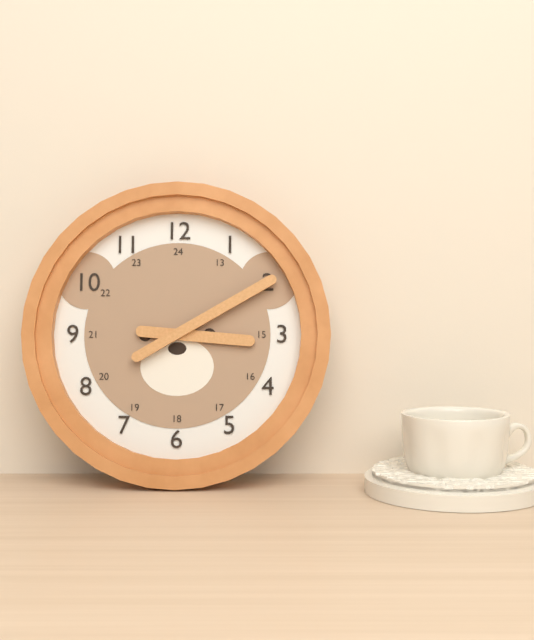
{"hour": 3, "minute": 10}
